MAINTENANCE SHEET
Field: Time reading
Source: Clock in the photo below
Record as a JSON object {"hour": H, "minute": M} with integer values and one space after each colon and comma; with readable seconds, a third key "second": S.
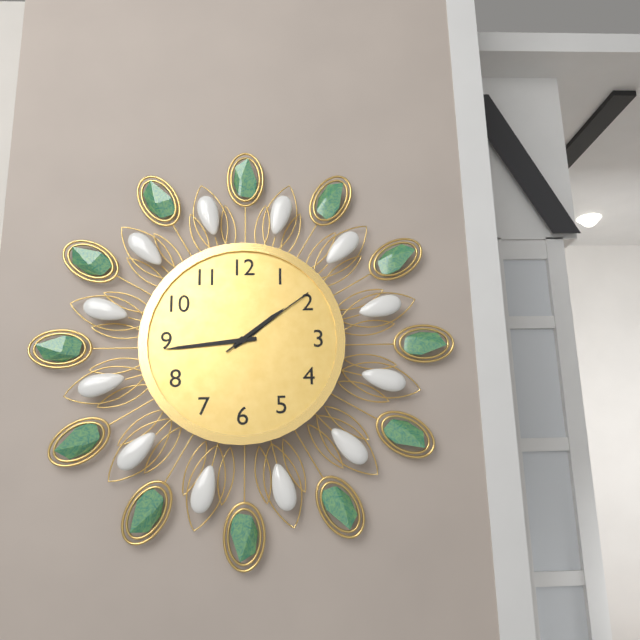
{"hour": 1, "minute": 44, "second": 9}
